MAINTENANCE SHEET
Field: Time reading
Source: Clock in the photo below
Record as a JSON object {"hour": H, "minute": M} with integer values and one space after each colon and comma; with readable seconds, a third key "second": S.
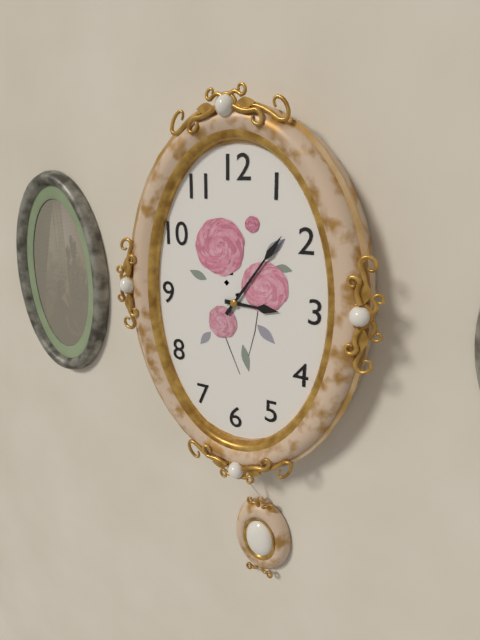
{"hour": 3, "minute": 6}
